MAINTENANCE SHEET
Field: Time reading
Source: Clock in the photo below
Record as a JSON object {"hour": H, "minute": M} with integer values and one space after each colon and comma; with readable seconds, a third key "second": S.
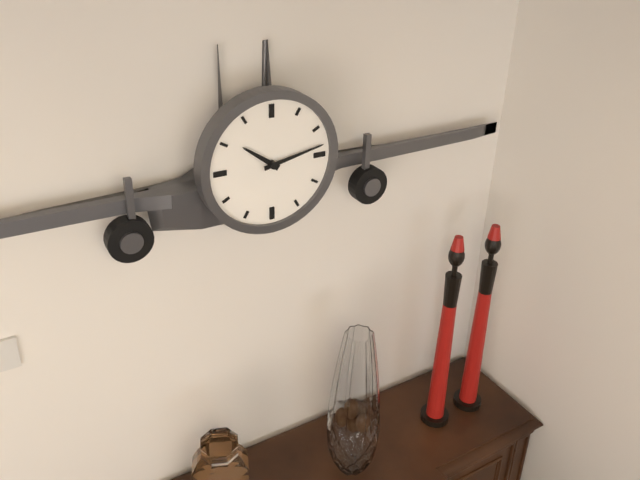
{"hour": 10, "minute": 13}
